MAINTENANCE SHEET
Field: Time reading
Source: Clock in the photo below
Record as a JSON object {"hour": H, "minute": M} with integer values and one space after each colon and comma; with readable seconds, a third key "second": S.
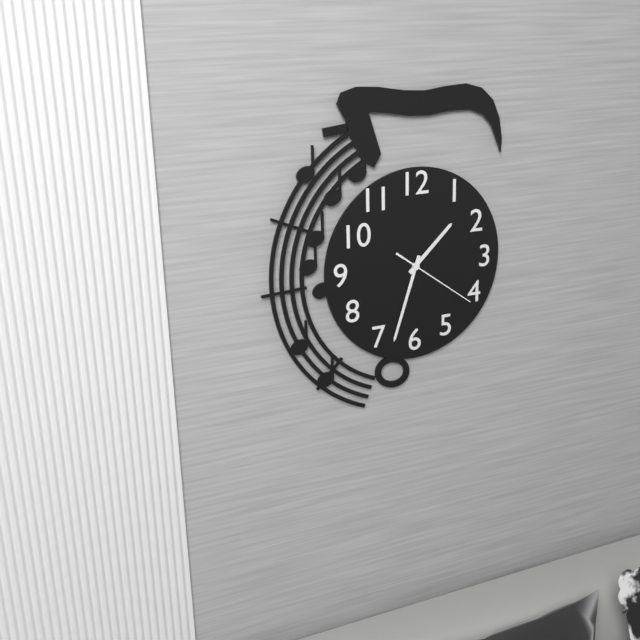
{"hour": 1, "minute": 33, "second": 21}
